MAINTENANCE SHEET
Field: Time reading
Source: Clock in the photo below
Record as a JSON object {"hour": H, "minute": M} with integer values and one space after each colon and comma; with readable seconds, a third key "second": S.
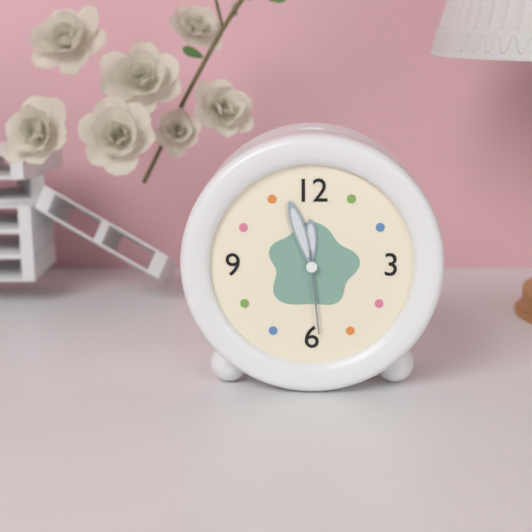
{"hour": 11, "minute": 57, "second": 29}
